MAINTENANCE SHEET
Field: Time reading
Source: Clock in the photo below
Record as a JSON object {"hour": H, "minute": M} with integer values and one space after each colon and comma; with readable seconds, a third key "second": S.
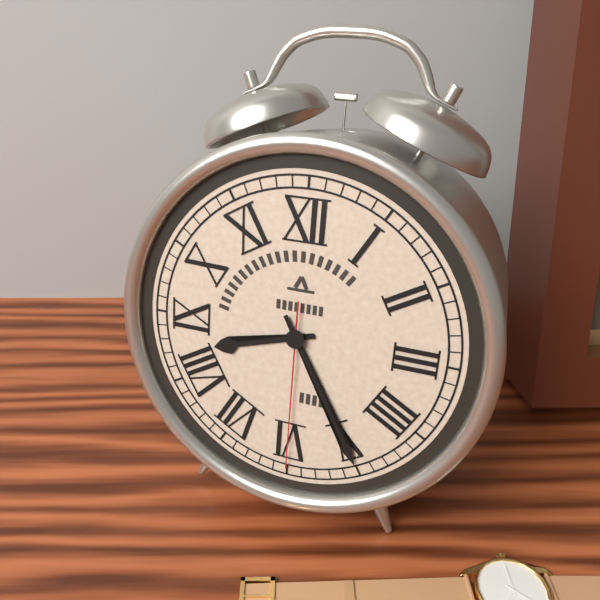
{"hour": 8, "minute": 25, "second": 30}
